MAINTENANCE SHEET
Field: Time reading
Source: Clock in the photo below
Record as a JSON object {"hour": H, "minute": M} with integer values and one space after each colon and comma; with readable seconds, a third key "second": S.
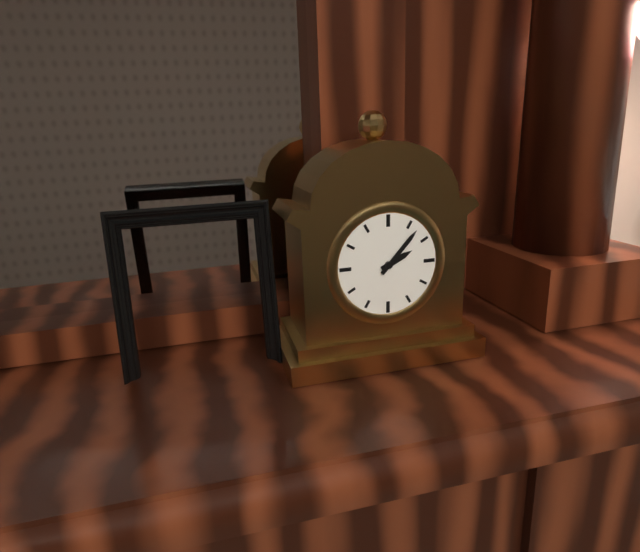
{"hour": 2, "minute": 7}
